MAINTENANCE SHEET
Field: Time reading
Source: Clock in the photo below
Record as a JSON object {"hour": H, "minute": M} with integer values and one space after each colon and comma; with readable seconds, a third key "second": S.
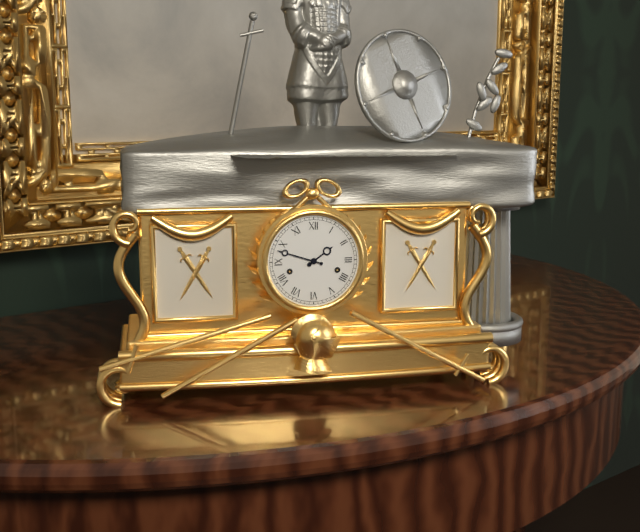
{"hour": 1, "minute": 48}
